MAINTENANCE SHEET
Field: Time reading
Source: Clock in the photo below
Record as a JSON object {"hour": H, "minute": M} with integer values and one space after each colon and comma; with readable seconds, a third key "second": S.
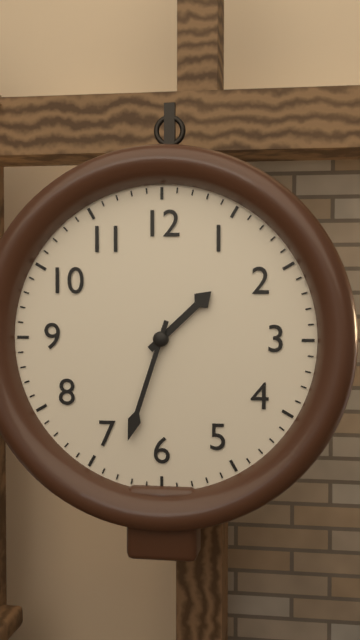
{"hour": 1, "minute": 33}
